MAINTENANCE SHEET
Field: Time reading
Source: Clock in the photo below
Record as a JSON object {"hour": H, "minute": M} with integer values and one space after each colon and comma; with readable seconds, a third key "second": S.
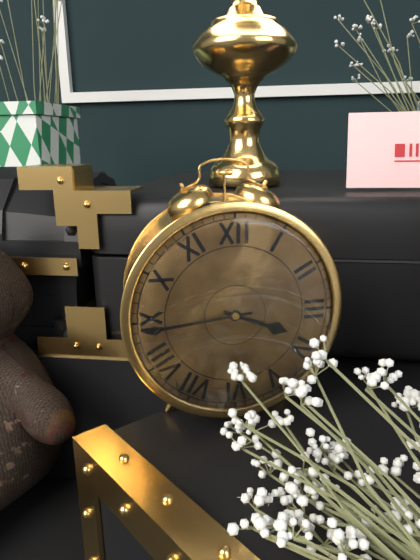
{"hour": 3, "minute": 44}
